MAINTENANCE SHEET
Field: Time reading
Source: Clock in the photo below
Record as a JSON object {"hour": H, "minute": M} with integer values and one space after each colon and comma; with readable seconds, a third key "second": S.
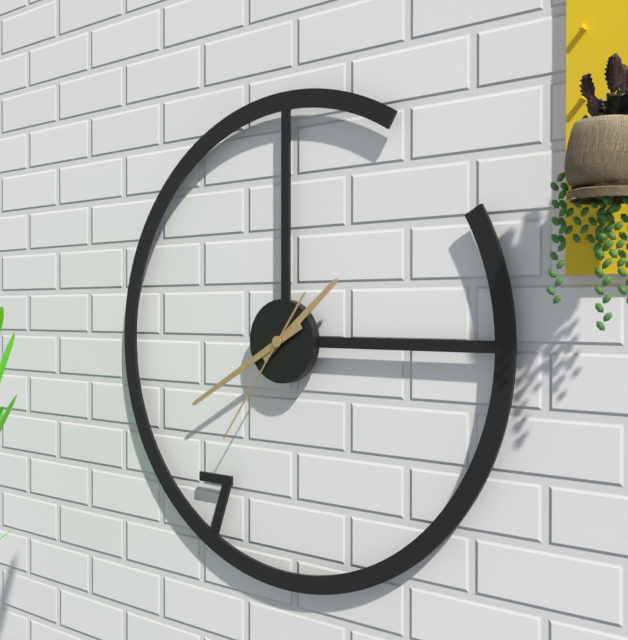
{"hour": 1, "minute": 40, "second": 36}
